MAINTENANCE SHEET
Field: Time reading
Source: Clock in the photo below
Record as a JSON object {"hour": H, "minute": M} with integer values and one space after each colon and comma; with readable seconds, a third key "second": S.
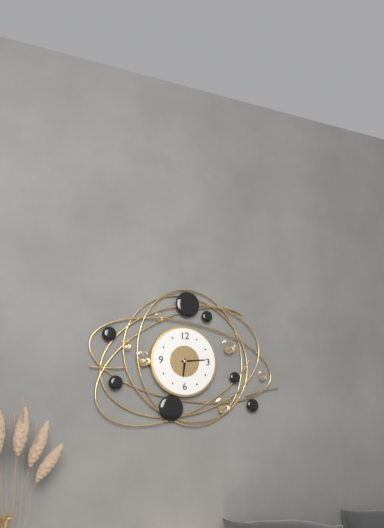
{"hour": 6, "minute": 14}
